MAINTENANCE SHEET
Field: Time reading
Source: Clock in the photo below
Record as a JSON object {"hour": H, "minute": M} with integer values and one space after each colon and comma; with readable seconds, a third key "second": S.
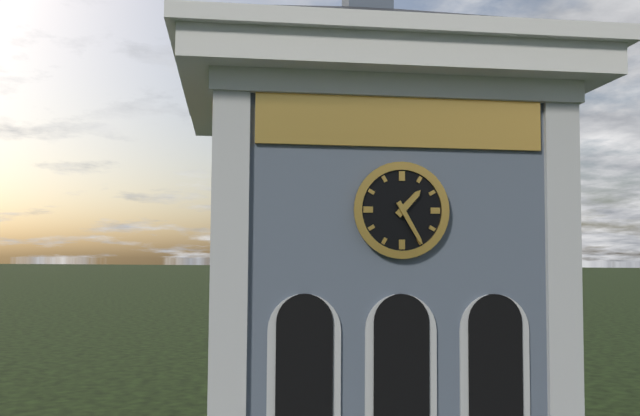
{"hour": 1, "minute": 25}
